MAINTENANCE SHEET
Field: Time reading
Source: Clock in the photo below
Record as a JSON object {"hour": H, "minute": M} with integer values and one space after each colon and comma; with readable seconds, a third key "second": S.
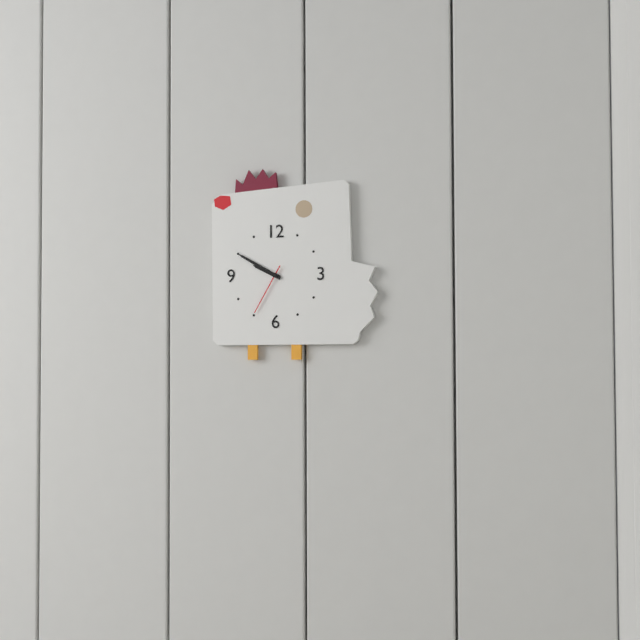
{"hour": 9, "minute": 50, "second": 35}
